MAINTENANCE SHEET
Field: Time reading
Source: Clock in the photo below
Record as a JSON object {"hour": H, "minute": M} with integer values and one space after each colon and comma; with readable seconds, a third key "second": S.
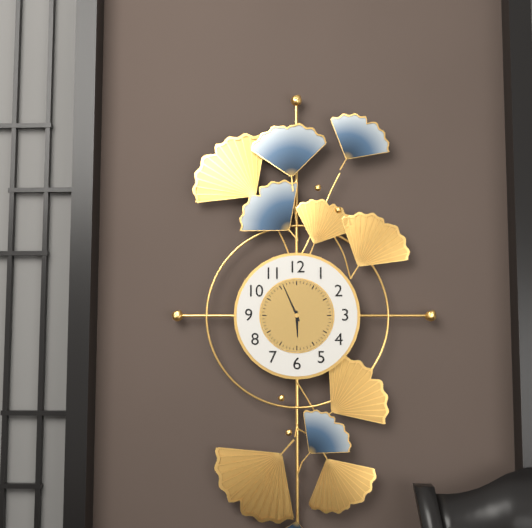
{"hour": 5, "minute": 56}
